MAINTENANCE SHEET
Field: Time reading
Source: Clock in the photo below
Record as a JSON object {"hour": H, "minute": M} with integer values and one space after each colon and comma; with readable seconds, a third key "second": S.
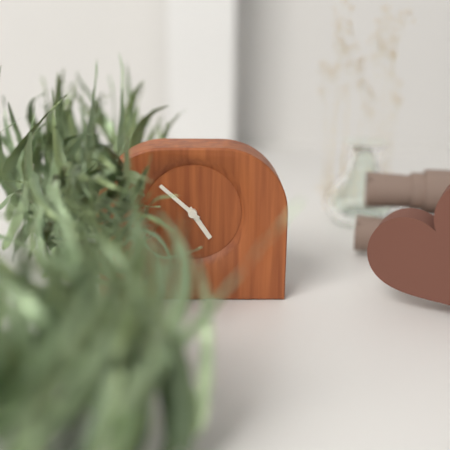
{"hour": 4, "minute": 52}
